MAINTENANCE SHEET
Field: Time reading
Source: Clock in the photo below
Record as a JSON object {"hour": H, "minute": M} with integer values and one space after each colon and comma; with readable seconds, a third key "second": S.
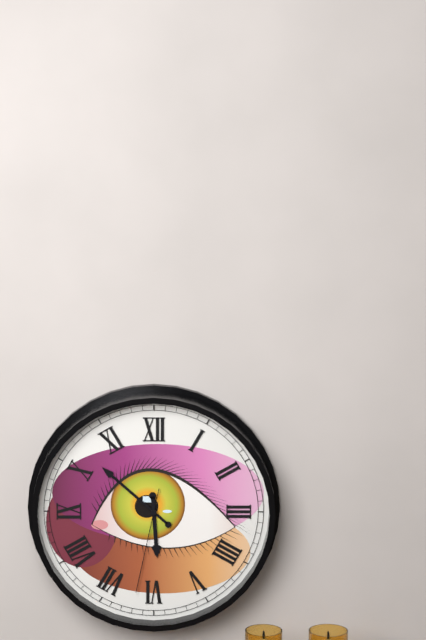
{"hour": 5, "minute": 52, "second": 32}
